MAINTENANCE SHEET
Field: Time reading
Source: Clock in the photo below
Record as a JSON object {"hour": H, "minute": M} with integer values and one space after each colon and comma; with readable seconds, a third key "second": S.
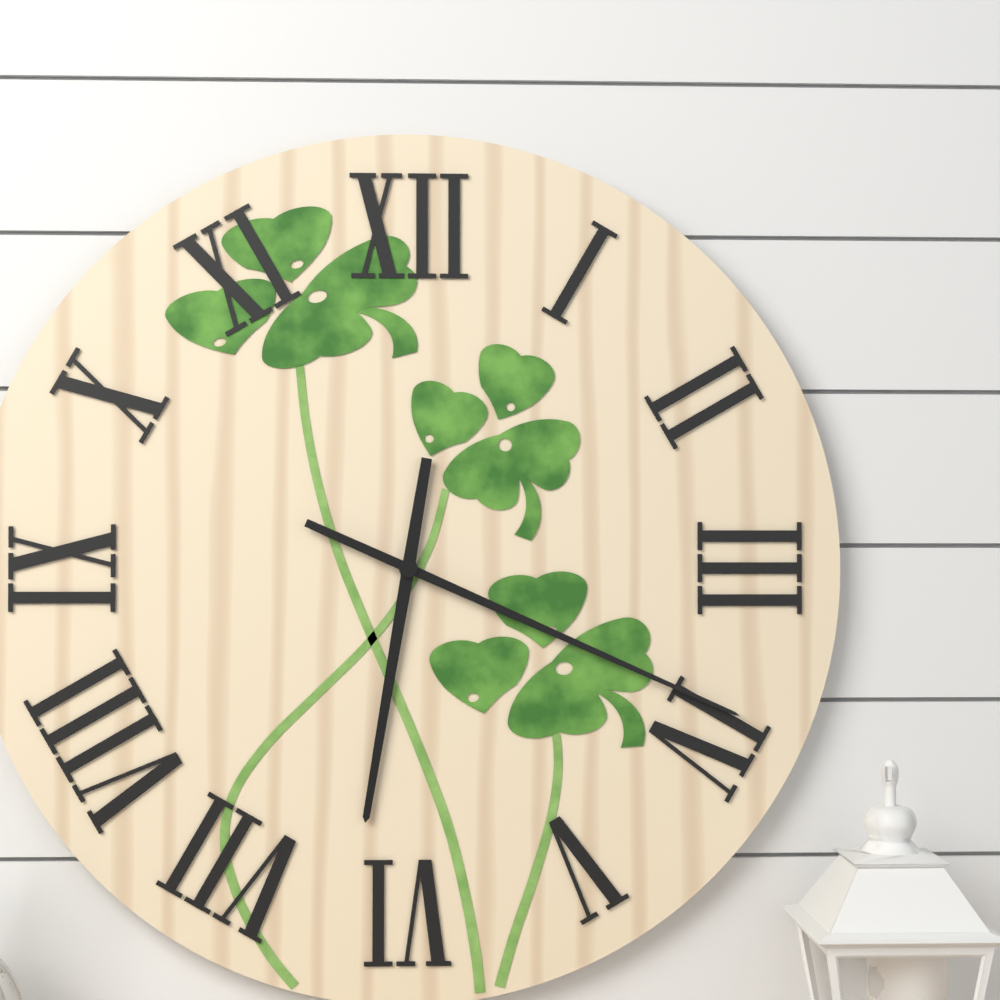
{"hour": 6, "minute": 19}
